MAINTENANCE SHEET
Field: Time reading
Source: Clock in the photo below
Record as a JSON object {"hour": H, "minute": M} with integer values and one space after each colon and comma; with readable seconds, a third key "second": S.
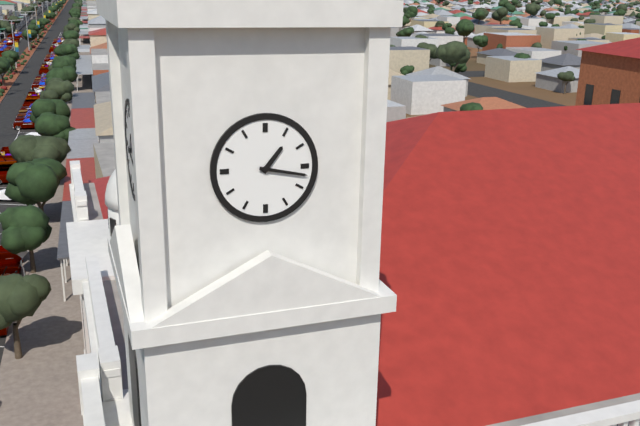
{"hour": 1, "minute": 17}
